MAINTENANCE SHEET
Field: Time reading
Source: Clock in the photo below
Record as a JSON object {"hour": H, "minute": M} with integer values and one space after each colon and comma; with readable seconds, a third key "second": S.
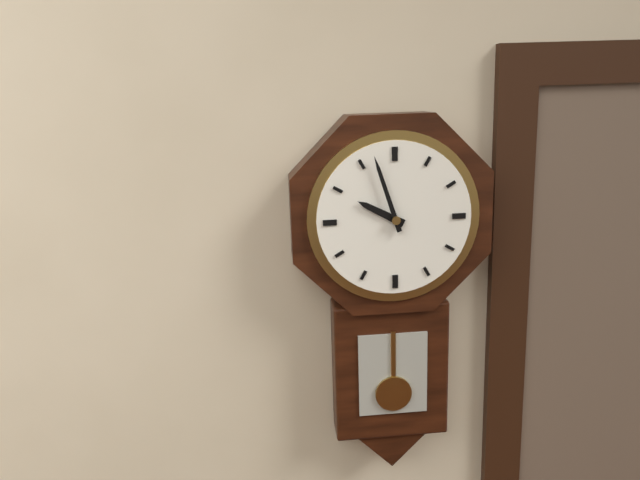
{"hour": 9, "minute": 57}
